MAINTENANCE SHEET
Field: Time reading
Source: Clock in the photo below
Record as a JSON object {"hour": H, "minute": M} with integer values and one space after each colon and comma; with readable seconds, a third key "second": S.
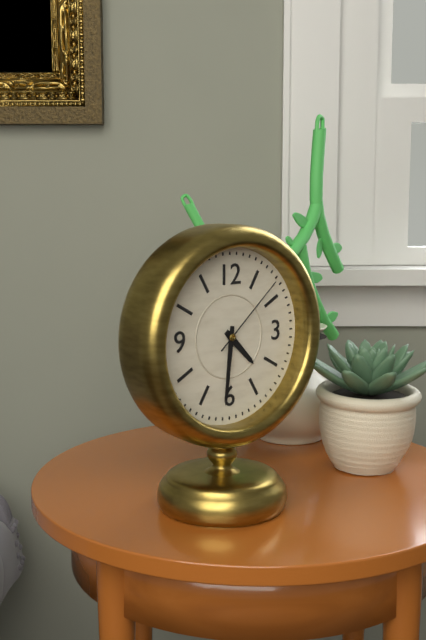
{"hour": 4, "minute": 31, "second": 8}
